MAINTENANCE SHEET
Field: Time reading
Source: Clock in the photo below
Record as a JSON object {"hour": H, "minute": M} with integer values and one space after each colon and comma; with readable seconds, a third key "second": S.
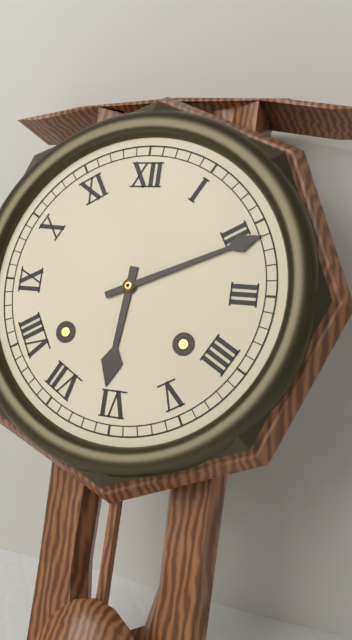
{"hour": 6, "minute": 11}
